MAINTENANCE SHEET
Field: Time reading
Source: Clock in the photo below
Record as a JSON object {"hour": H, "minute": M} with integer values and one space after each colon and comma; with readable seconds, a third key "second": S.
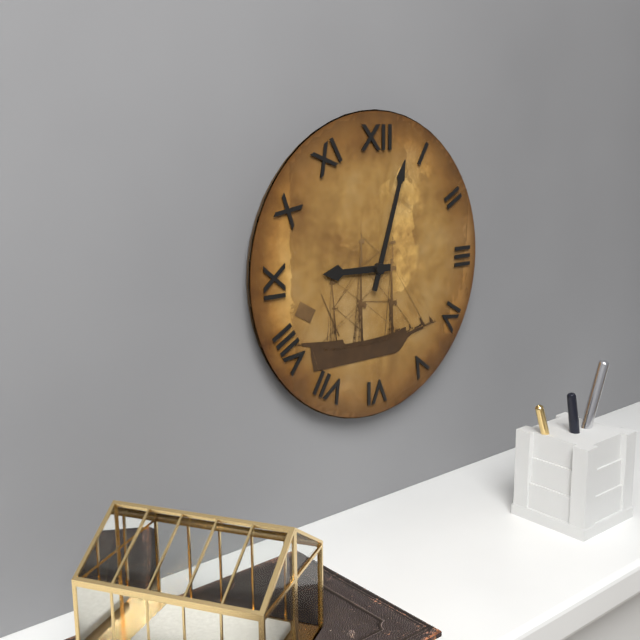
{"hour": 9, "minute": 3}
